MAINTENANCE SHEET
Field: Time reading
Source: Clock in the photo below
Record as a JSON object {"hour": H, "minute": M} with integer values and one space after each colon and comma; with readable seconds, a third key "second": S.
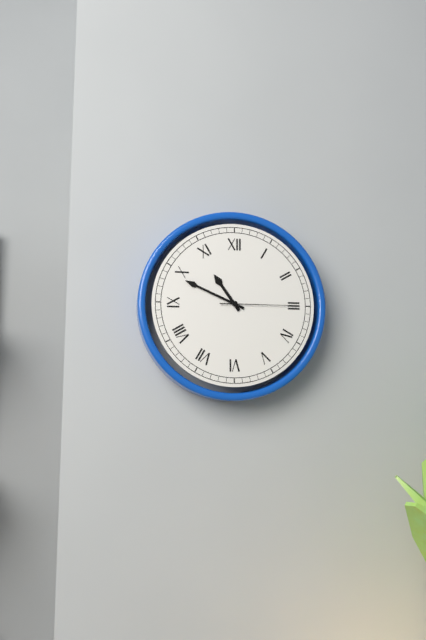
{"hour": 10, "minute": 49, "second": 15}
